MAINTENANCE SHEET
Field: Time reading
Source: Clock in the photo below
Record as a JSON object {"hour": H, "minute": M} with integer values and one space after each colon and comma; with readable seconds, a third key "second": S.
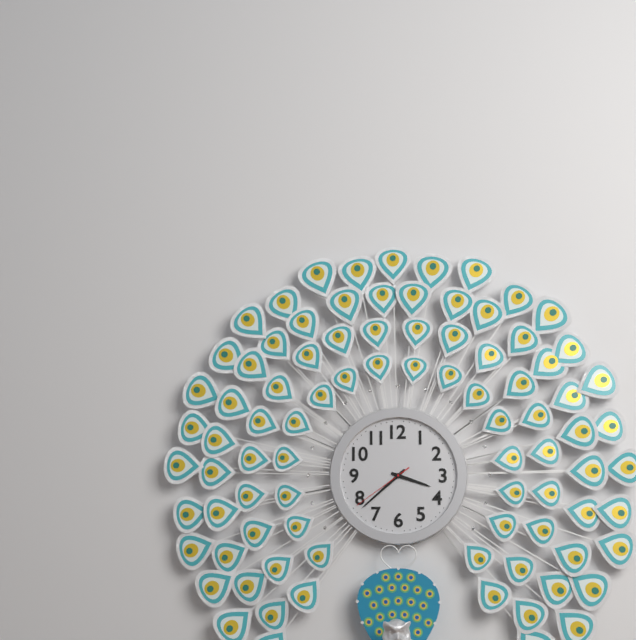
{"hour": 3, "minute": 38, "second": 39}
